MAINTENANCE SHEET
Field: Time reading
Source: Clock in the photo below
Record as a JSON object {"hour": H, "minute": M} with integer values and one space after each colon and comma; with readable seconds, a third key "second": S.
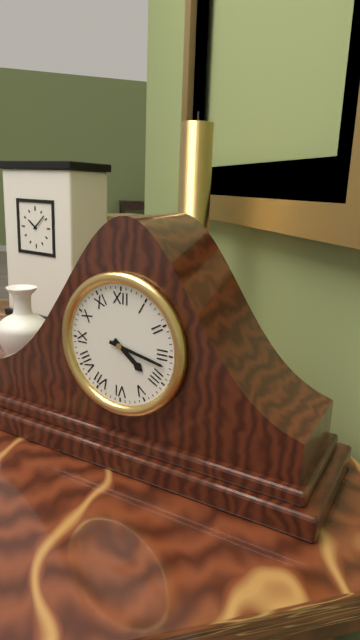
{"hour": 4, "minute": 17}
